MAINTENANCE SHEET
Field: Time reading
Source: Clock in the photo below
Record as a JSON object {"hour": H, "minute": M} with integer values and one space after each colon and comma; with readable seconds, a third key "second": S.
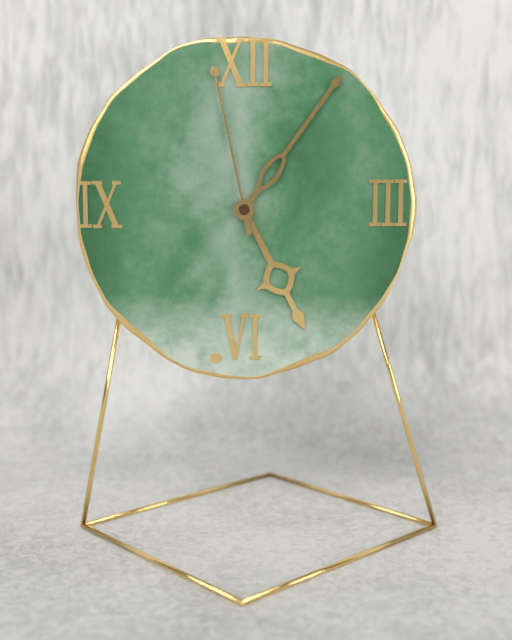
{"hour": 5, "minute": 6, "second": 58}
